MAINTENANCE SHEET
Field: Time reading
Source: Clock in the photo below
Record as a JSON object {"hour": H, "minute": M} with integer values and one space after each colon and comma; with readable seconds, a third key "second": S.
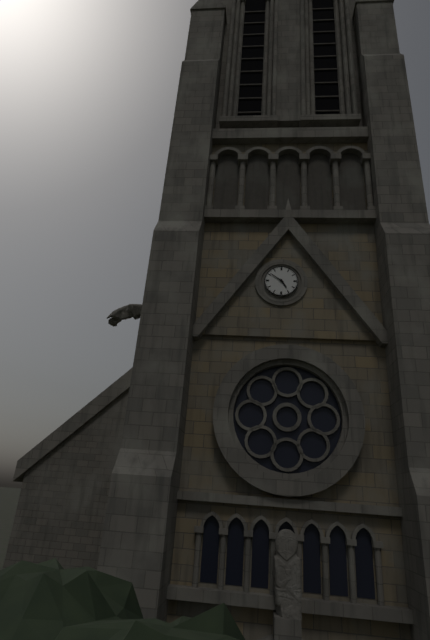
{"hour": 4, "minute": 51}
